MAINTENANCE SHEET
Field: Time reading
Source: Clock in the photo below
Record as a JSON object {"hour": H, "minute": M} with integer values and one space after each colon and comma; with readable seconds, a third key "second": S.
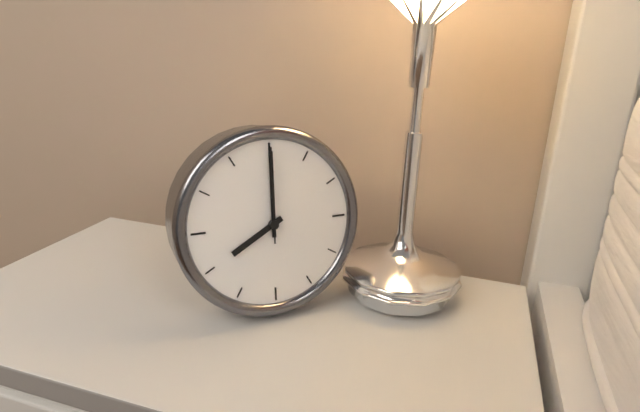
{"hour": 8, "minute": 0, "second": 0}
